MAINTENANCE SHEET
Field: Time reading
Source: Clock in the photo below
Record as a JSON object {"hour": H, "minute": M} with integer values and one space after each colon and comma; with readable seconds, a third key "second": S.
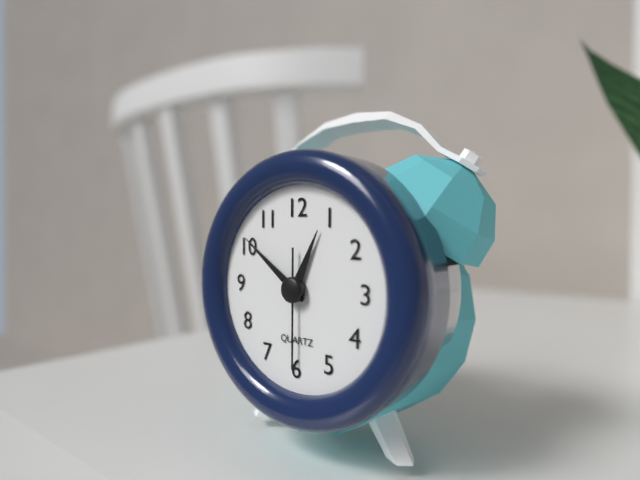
{"hour": 12, "minute": 51, "second": 30}
